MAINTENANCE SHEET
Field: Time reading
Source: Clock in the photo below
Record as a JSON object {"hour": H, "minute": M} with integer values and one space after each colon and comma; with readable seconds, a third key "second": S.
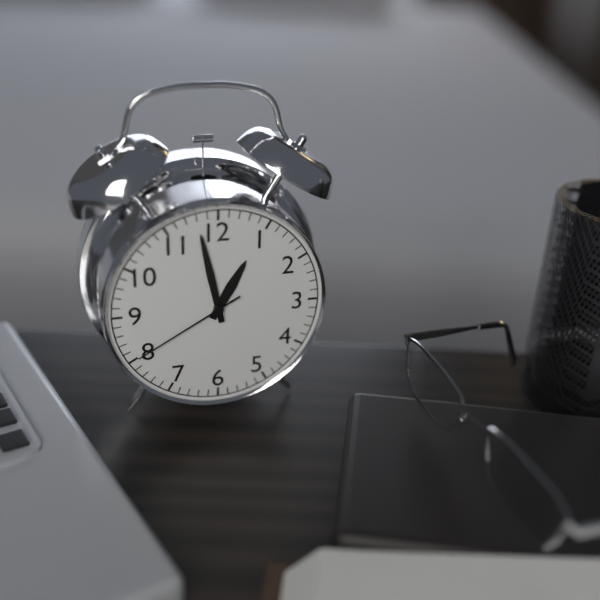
{"hour": 12, "minute": 58, "second": 40}
